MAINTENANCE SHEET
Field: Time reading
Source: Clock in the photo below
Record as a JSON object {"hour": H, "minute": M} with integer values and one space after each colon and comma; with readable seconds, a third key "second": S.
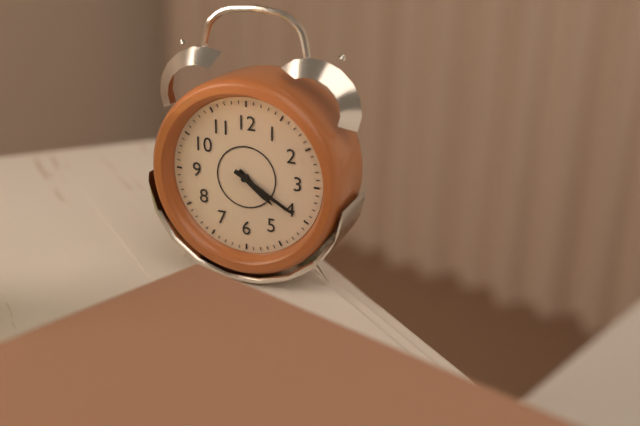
{"hour": 4, "minute": 20}
